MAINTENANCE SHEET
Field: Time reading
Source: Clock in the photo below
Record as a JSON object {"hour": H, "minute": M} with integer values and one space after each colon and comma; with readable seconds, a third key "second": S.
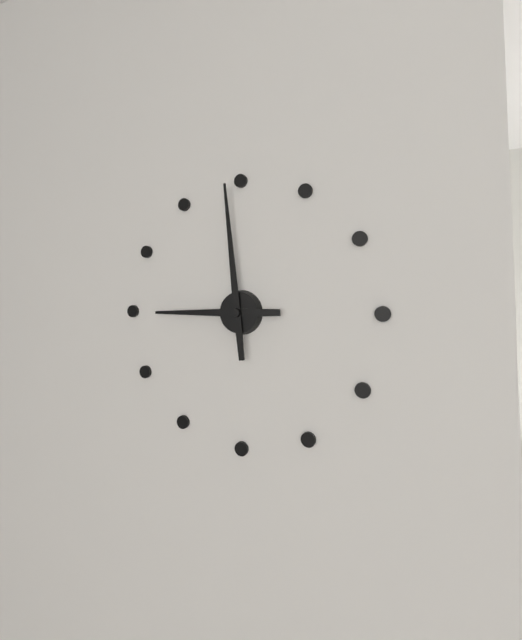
{"hour": 8, "minute": 59}
